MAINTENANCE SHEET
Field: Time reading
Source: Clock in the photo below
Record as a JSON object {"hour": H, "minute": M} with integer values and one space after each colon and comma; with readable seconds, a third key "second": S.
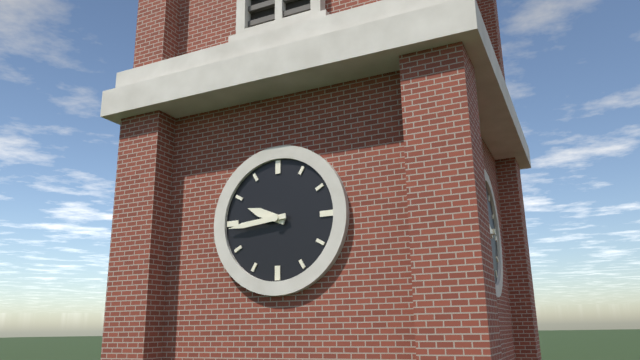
{"hour": 9, "minute": 44}
